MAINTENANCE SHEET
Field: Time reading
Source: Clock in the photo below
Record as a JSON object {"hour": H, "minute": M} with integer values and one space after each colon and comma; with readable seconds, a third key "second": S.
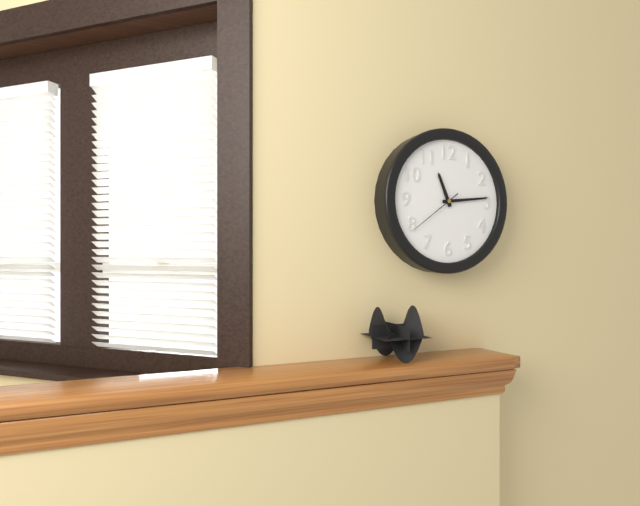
{"hour": 11, "minute": 14}
